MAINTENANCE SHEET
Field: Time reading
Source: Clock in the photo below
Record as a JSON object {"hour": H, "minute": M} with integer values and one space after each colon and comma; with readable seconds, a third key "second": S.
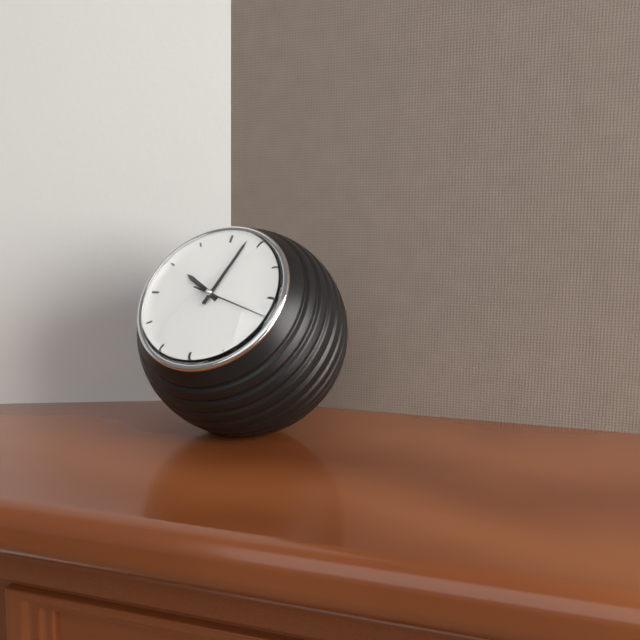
{"hour": 10, "minute": 3}
